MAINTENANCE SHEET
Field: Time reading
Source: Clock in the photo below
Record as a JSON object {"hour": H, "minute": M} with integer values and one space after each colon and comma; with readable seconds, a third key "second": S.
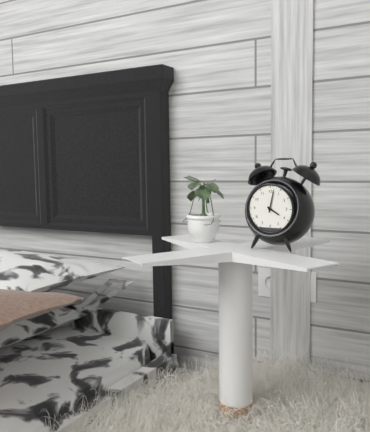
{"hour": 4, "minute": 2}
